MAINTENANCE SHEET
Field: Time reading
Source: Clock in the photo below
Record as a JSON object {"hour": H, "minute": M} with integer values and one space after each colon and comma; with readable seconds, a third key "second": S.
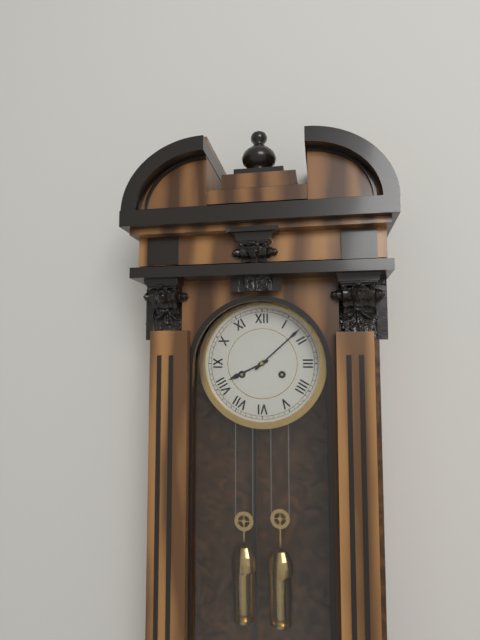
{"hour": 8, "minute": 8}
